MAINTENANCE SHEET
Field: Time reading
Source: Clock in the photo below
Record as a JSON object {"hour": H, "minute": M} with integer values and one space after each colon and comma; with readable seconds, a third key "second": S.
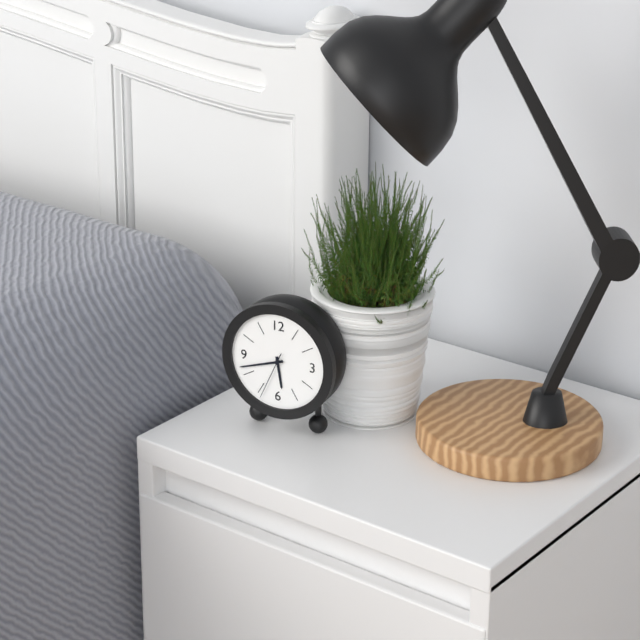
{"hour": 5, "minute": 42, "second": 34}
